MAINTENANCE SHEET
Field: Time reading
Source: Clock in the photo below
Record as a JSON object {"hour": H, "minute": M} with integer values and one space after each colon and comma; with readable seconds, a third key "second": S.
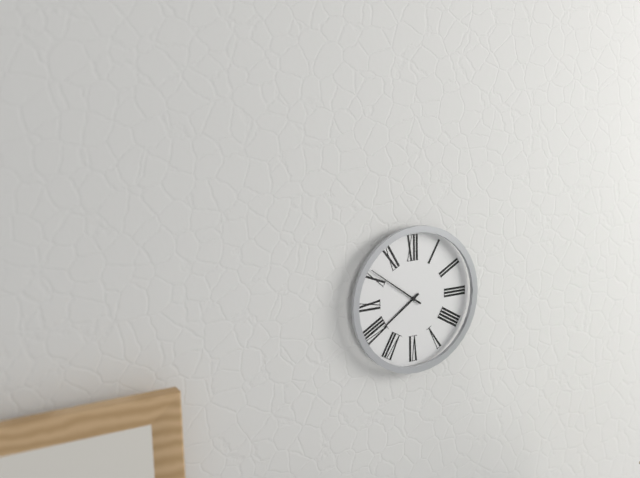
{"hour": 7, "minute": 51}
